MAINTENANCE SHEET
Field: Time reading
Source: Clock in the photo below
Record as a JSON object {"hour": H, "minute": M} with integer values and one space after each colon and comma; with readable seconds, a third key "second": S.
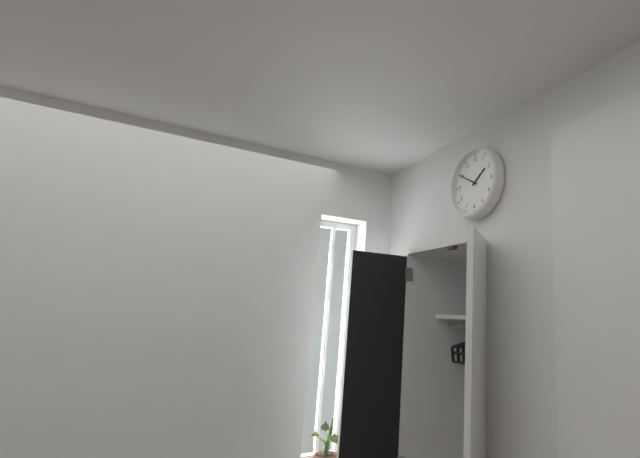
{"hour": 1, "minute": 50}
